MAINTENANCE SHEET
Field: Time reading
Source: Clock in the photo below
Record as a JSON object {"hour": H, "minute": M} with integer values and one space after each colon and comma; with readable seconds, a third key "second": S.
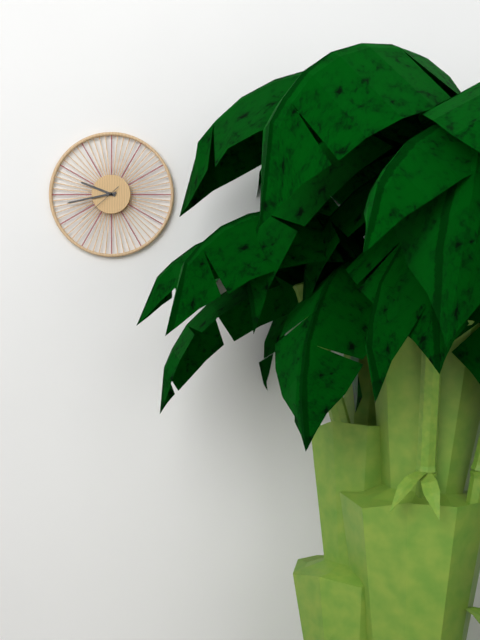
{"hour": 9, "minute": 43}
